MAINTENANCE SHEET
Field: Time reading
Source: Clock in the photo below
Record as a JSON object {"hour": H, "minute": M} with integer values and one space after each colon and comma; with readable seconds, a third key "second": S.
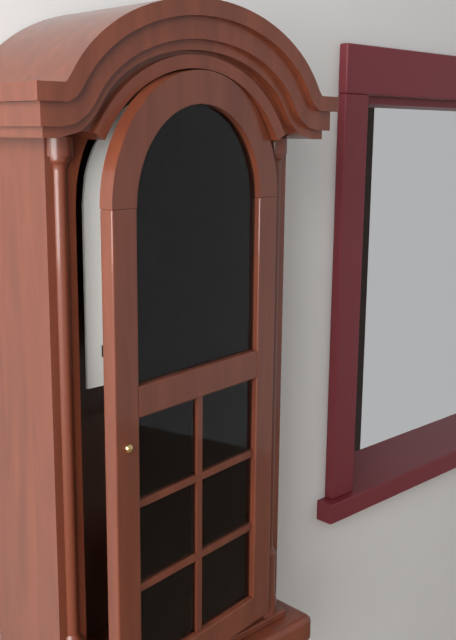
{"hour": 2, "minute": 6}
